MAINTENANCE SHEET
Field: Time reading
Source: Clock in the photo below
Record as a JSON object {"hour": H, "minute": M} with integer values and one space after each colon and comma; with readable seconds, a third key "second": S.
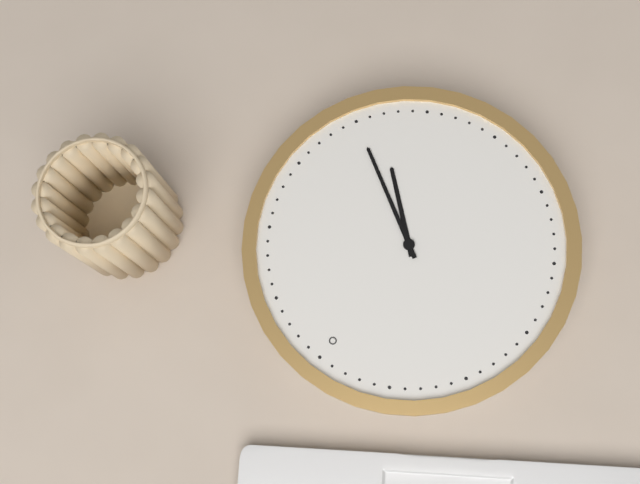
{"hour": 4, "minute": 20}
